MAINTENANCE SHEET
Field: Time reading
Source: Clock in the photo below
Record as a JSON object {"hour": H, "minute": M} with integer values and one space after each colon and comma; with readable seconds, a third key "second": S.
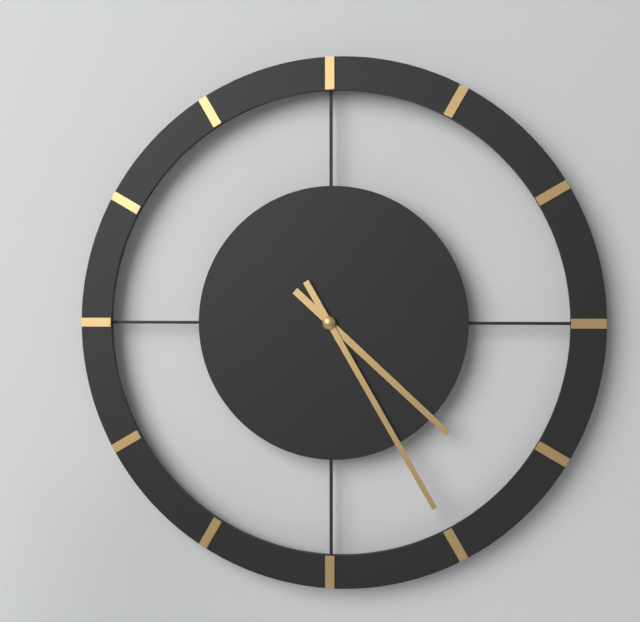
{"hour": 4, "minute": 25}
